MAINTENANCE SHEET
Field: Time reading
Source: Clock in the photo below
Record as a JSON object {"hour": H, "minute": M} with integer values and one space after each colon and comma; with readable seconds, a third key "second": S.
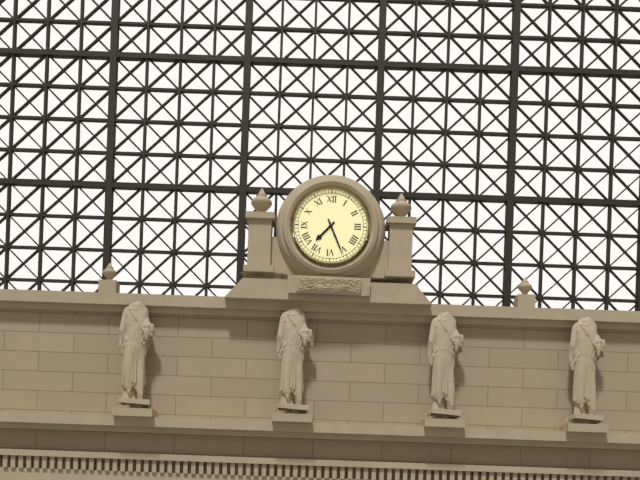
{"hour": 7, "minute": 26}
